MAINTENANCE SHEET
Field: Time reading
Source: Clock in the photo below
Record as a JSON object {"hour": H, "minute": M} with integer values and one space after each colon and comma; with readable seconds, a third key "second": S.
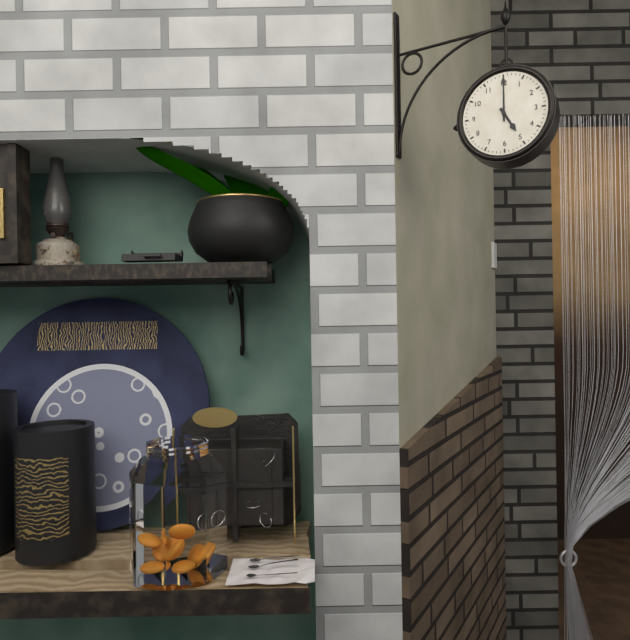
{"hour": 5, "minute": 0}
